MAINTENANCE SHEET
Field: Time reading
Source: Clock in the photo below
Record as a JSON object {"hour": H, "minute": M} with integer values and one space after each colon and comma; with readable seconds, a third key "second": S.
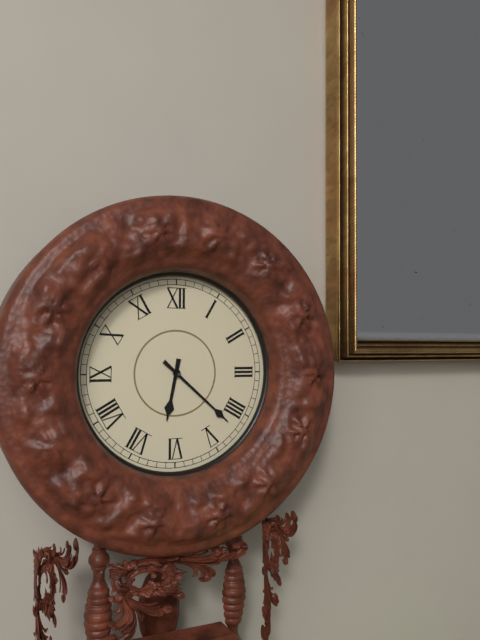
{"hour": 6, "minute": 22}
